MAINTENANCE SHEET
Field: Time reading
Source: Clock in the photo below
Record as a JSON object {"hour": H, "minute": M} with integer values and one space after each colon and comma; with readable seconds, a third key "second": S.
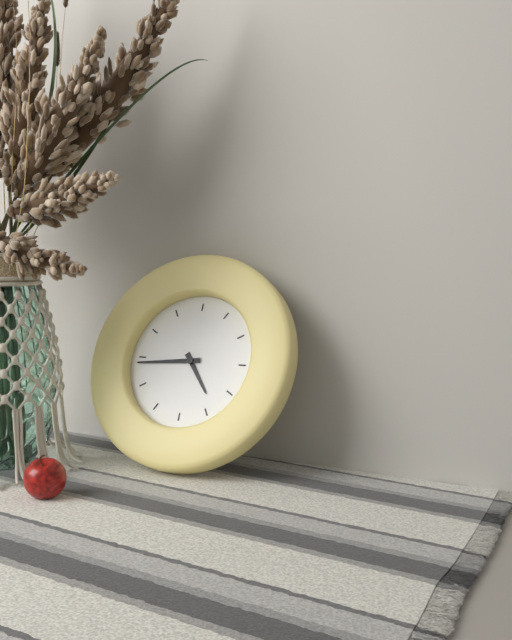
{"hour": 4, "minute": 44}
